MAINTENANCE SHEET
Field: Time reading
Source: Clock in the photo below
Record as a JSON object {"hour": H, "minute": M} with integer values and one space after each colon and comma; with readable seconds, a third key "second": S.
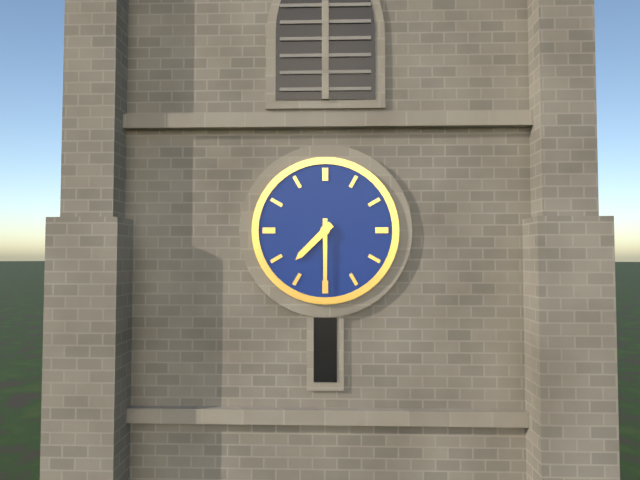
{"hour": 7, "minute": 30}
